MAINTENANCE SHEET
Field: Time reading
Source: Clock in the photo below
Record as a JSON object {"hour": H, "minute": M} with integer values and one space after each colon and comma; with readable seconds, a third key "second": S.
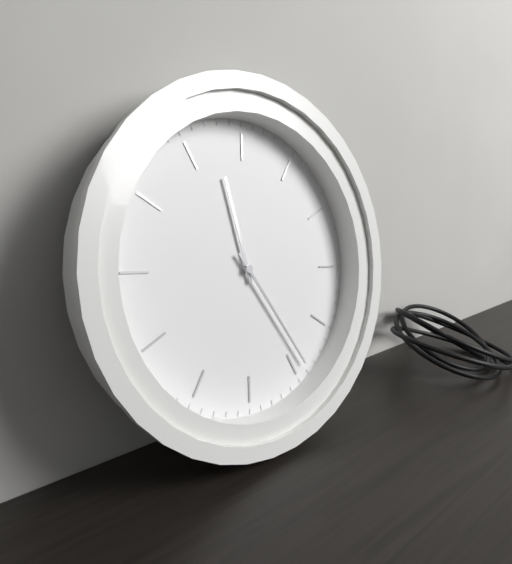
{"hour": 12, "minute": 29}
